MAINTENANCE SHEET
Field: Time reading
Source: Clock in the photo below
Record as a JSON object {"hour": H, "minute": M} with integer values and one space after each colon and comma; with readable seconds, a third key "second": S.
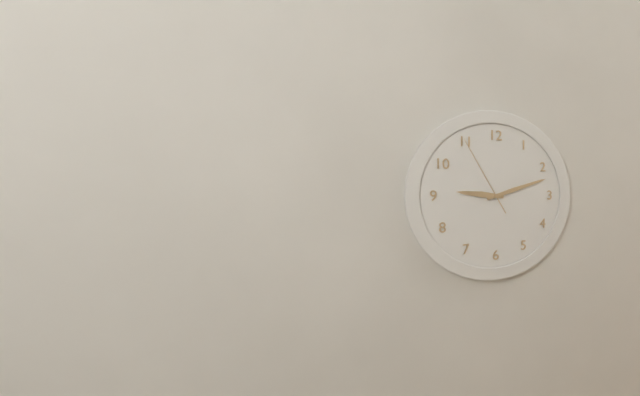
{"hour": 9, "minute": 12, "second": 55}
